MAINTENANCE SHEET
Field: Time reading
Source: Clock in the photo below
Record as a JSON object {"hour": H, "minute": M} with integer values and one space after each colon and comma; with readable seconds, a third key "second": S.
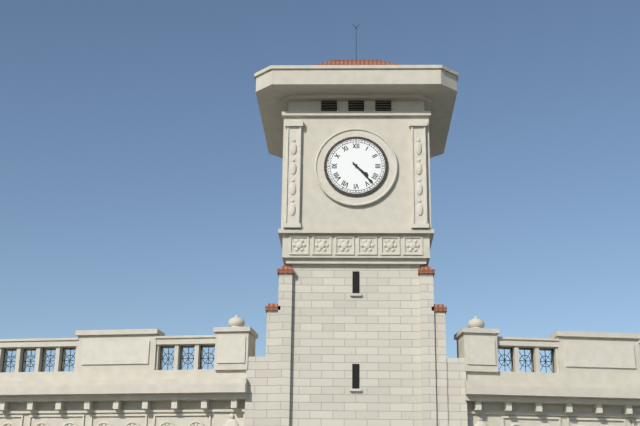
{"hour": 4, "minute": 23}
